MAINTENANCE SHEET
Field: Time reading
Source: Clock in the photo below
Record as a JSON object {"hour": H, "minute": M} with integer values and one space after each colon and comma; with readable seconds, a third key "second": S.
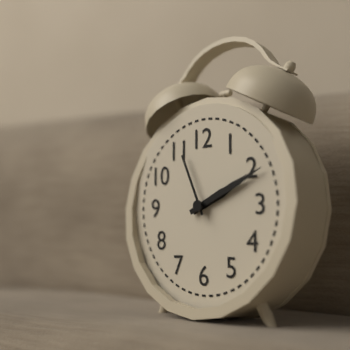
{"hour": 2, "minute": 11, "second": 56}
